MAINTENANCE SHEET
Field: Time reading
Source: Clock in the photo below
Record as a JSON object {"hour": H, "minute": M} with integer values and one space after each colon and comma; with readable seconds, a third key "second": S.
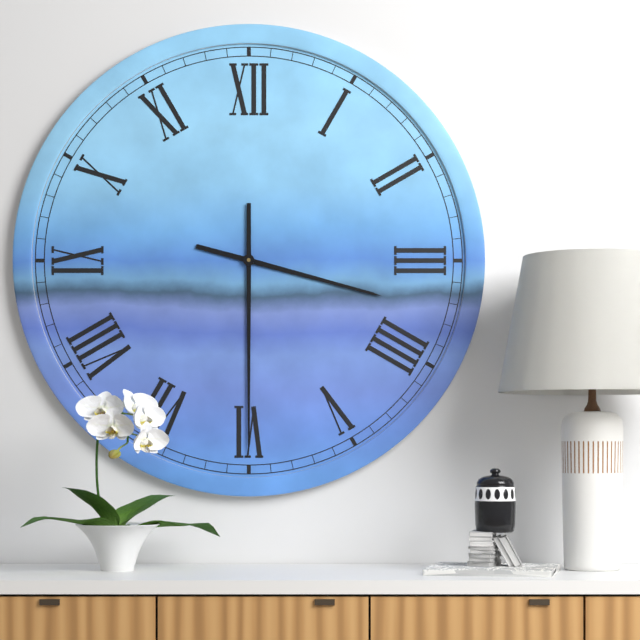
{"hour": 3, "minute": 30}
